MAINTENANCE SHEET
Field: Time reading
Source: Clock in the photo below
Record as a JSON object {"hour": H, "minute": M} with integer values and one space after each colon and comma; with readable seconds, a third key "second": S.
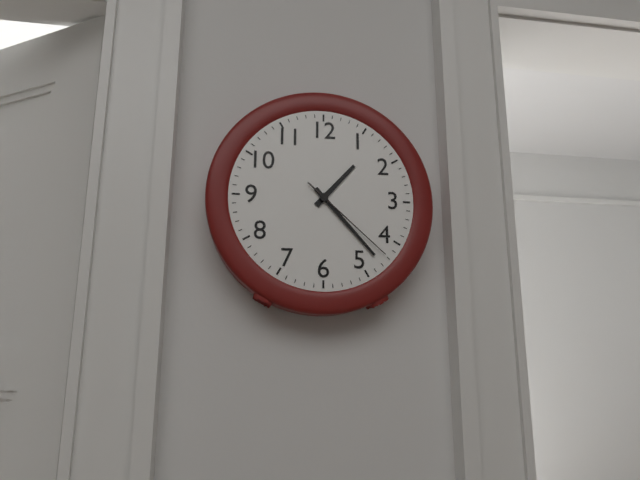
{"hour": 1, "minute": 23, "second": 22}
